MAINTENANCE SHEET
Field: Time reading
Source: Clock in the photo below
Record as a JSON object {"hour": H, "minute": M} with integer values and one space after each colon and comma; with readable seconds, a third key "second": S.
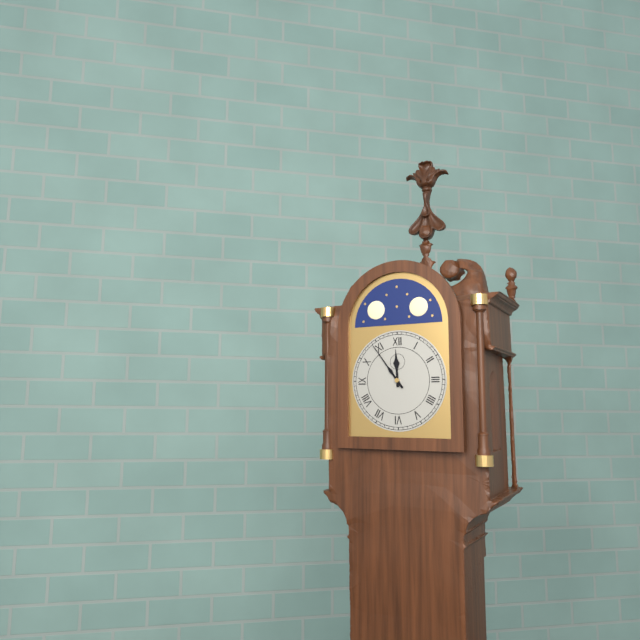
{"hour": 11, "minute": 54}
